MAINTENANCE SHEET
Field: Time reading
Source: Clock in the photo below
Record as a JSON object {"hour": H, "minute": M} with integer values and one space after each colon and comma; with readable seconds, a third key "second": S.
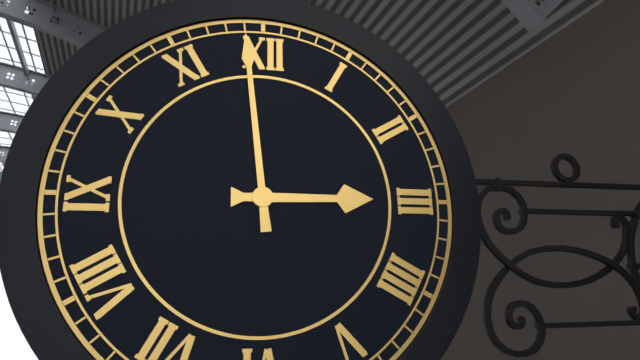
{"hour": 2, "minute": 59}
